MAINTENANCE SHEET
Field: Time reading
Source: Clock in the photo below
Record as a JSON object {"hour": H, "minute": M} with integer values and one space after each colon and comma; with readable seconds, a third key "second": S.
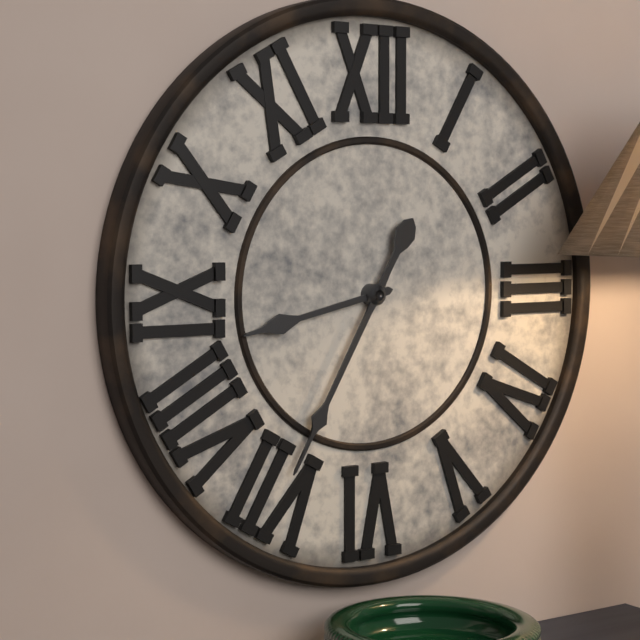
{"hour": 8, "minute": 35}
